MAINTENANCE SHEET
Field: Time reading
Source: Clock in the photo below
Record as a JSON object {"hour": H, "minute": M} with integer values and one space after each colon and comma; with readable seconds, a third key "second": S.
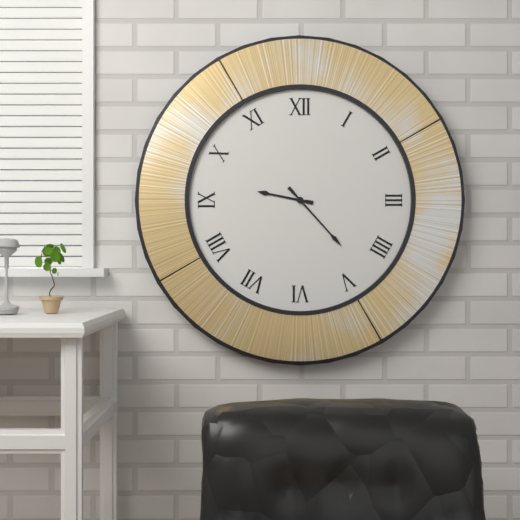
{"hour": 9, "minute": 23}
